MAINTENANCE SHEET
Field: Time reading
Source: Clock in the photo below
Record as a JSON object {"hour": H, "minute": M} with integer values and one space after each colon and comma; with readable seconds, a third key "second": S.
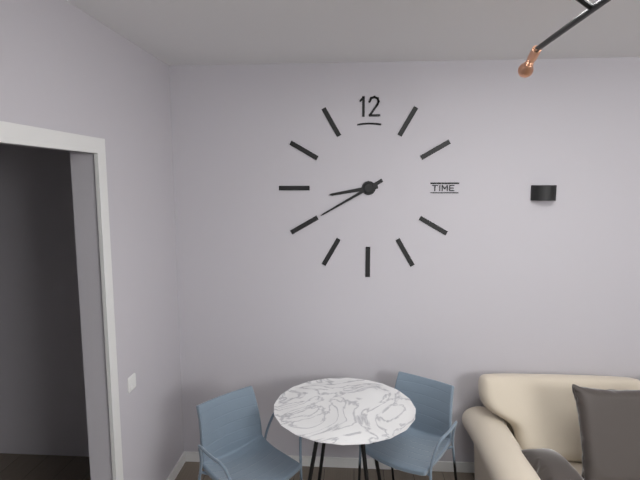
{"hour": 8, "minute": 40}
